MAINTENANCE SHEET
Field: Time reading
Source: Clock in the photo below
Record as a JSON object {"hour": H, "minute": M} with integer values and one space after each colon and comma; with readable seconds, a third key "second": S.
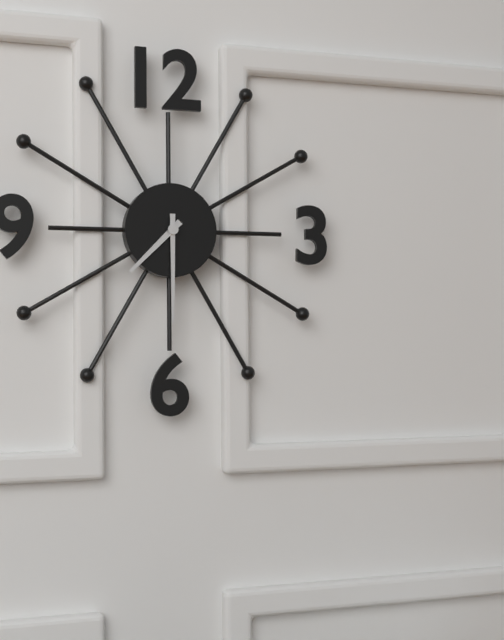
{"hour": 7, "minute": 30}
